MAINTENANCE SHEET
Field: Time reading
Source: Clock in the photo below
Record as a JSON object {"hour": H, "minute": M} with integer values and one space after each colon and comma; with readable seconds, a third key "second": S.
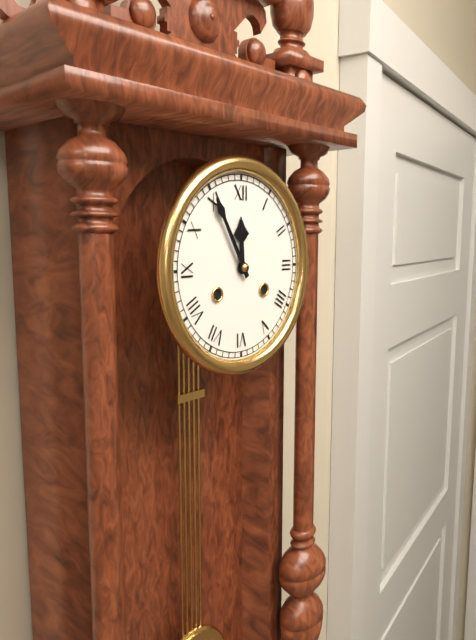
{"hour": 11, "minute": 55}
